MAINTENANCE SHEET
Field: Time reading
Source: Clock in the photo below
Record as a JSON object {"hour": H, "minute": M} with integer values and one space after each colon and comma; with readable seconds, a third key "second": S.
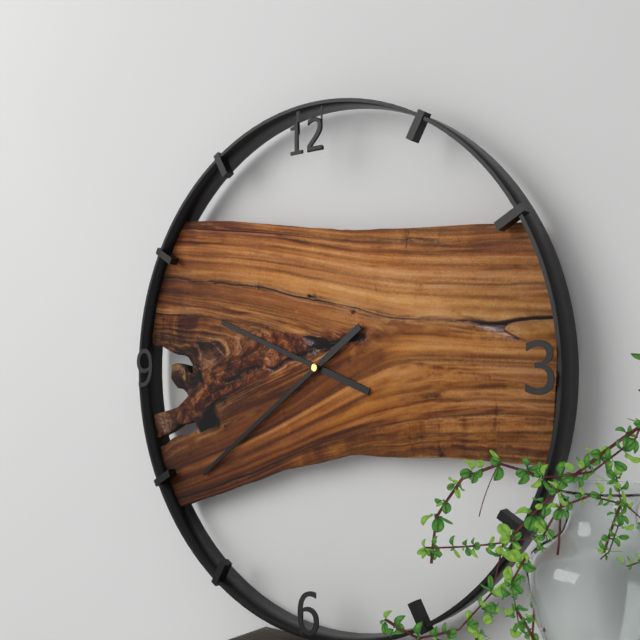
{"hour": 9, "minute": 39}
